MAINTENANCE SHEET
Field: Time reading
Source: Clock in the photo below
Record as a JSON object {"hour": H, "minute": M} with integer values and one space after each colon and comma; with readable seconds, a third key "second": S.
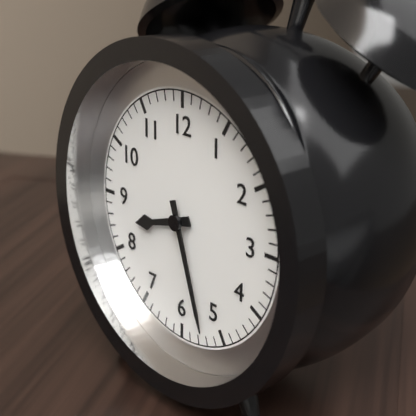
{"hour": 8, "minute": 27}
